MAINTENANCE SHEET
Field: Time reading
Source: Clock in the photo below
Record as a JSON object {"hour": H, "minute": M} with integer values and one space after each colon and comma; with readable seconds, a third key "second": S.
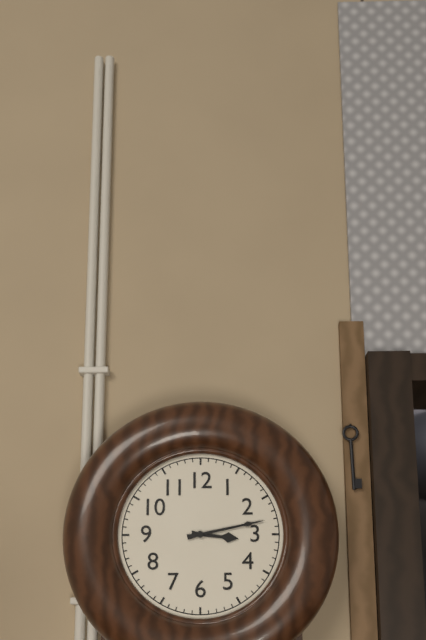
{"hour": 3, "minute": 13}
